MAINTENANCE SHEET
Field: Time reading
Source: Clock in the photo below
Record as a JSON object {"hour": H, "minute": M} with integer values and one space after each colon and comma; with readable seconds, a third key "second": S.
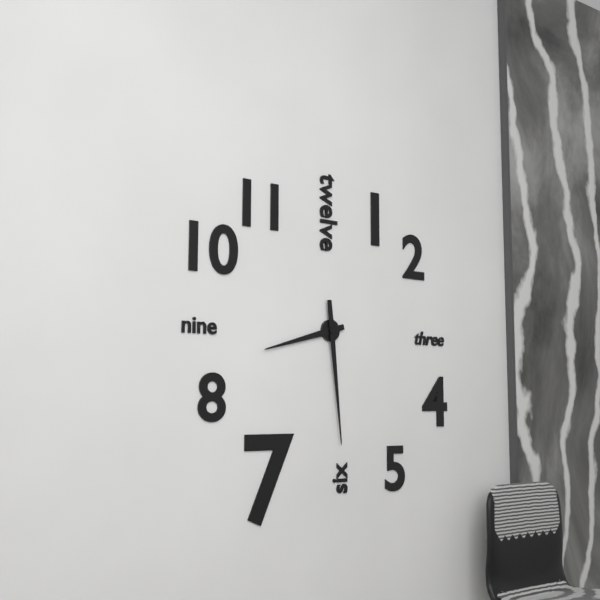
{"hour": 8, "minute": 29}
